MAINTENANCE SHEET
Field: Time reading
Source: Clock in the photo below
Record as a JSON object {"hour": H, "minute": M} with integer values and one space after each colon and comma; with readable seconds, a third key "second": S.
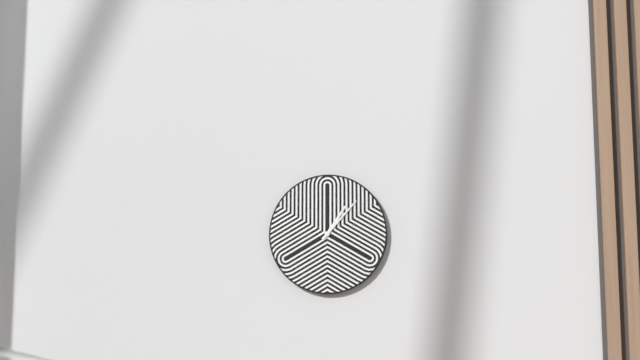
{"hour": 1, "minute": 7}
